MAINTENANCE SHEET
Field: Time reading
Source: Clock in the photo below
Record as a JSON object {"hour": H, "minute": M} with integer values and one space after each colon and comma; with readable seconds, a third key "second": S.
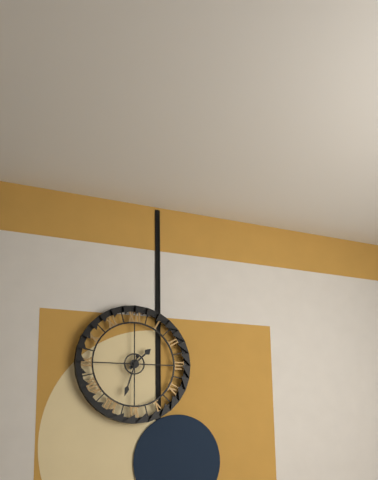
{"hour": 1, "minute": 33}
